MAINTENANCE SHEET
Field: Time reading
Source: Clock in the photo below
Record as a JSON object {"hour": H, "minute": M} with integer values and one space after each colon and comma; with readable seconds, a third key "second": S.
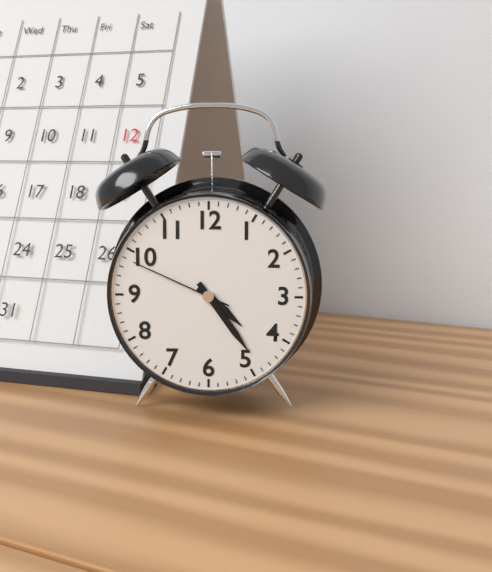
{"hour": 4, "minute": 24, "second": 49}
